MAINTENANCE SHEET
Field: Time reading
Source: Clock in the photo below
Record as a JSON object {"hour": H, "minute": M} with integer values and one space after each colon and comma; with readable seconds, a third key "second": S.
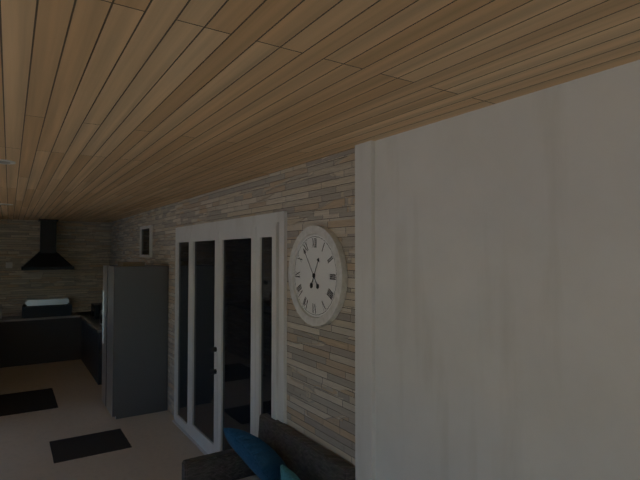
{"hour": 12, "minute": 54}
